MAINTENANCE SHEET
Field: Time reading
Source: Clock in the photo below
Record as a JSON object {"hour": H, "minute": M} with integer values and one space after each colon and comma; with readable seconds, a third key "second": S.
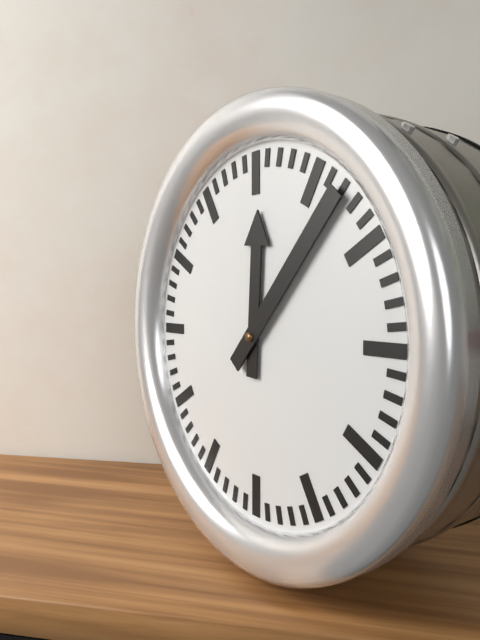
{"hour": 12, "minute": 7}
